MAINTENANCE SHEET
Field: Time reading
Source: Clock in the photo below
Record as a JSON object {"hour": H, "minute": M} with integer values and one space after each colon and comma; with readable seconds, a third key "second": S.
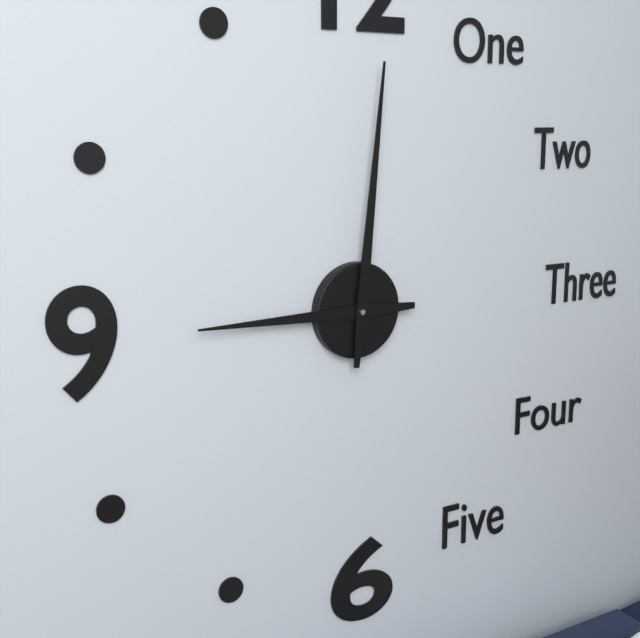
{"hour": 9, "minute": 1}
